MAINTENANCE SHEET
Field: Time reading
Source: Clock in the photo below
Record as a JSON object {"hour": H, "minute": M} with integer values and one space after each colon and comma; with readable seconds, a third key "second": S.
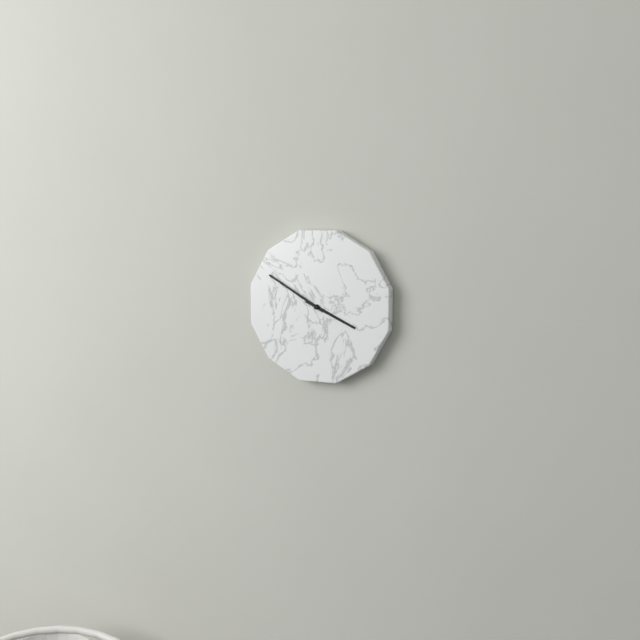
{"hour": 3, "minute": 50}
